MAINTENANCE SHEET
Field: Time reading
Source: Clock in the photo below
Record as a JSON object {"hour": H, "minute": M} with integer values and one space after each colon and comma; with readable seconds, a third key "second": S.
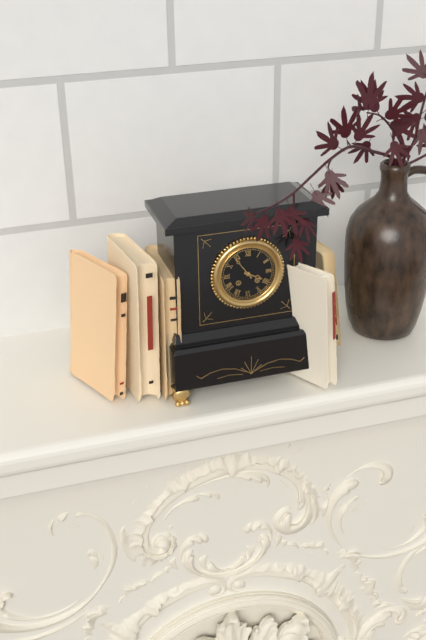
{"hour": 3, "minute": 54}
